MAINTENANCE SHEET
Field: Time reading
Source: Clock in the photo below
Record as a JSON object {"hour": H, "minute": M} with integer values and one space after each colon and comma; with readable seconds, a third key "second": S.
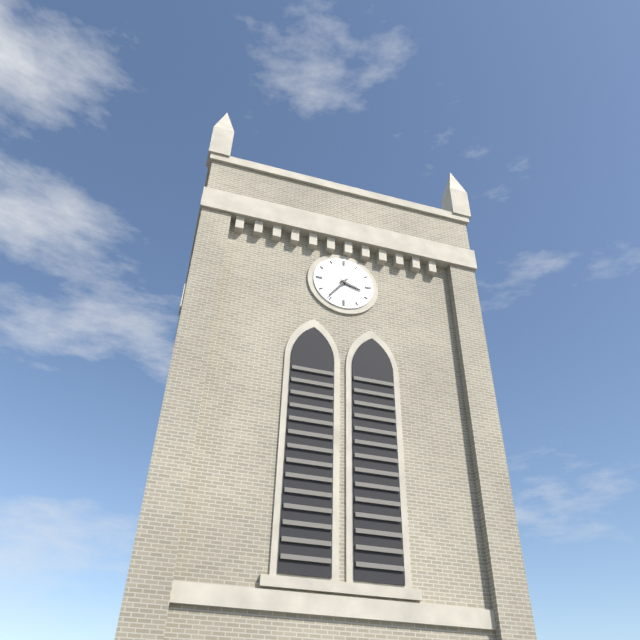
{"hour": 3, "minute": 36}
